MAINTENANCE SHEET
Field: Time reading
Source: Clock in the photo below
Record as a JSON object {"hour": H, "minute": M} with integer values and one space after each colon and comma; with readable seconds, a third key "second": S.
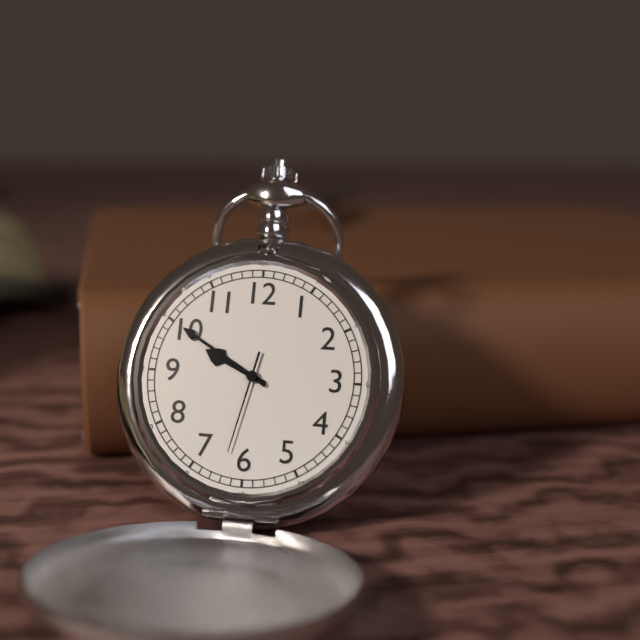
{"hour": 9, "minute": 50, "second": 32}
